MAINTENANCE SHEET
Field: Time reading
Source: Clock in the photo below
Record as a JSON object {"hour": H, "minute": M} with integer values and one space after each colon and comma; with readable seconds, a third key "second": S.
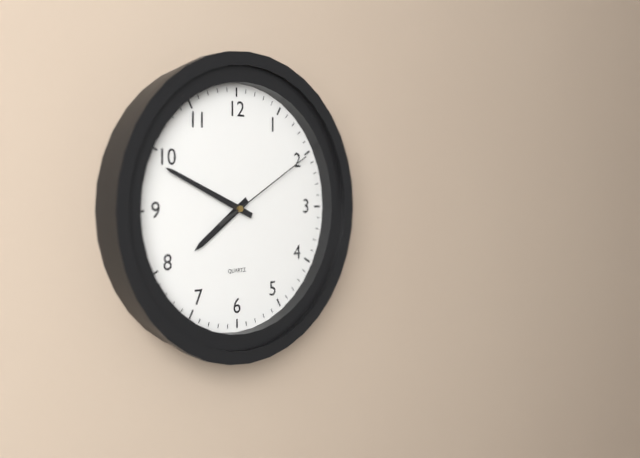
{"hour": 7, "minute": 49, "second": 10}
